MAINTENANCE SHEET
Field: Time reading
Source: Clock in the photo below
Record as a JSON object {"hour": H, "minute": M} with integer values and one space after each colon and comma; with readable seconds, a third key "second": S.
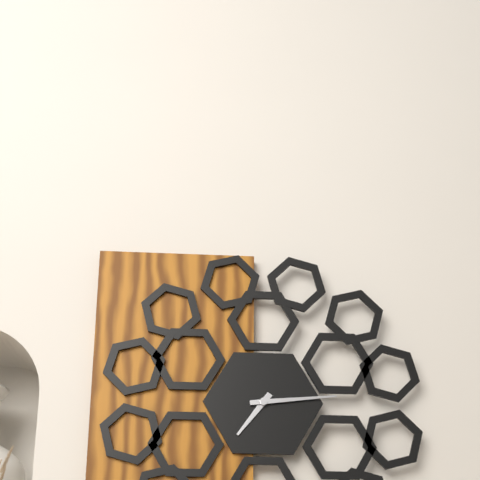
{"hour": 7, "minute": 14}
